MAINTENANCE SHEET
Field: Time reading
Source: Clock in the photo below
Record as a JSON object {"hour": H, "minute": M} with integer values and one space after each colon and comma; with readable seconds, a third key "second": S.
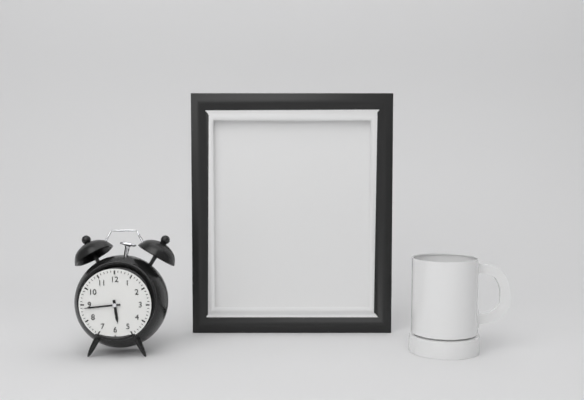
{"hour": 5, "minute": 44}
